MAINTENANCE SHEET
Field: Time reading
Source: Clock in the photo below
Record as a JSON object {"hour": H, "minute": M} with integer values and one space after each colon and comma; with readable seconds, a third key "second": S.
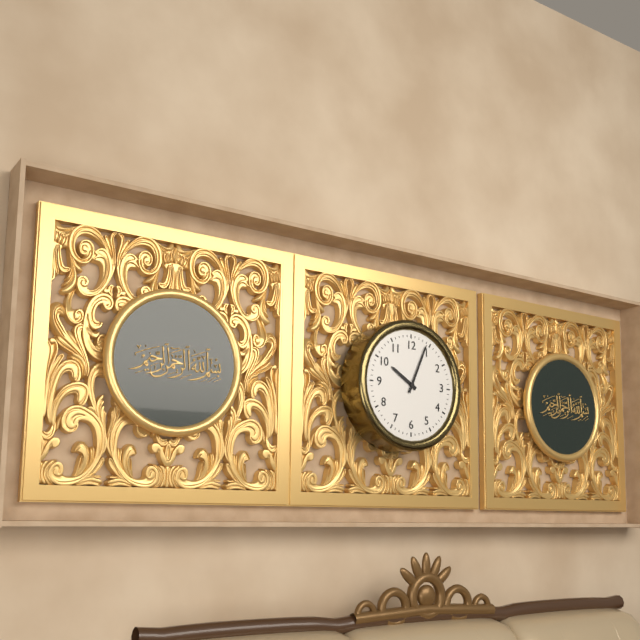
{"hour": 10, "minute": 4}
